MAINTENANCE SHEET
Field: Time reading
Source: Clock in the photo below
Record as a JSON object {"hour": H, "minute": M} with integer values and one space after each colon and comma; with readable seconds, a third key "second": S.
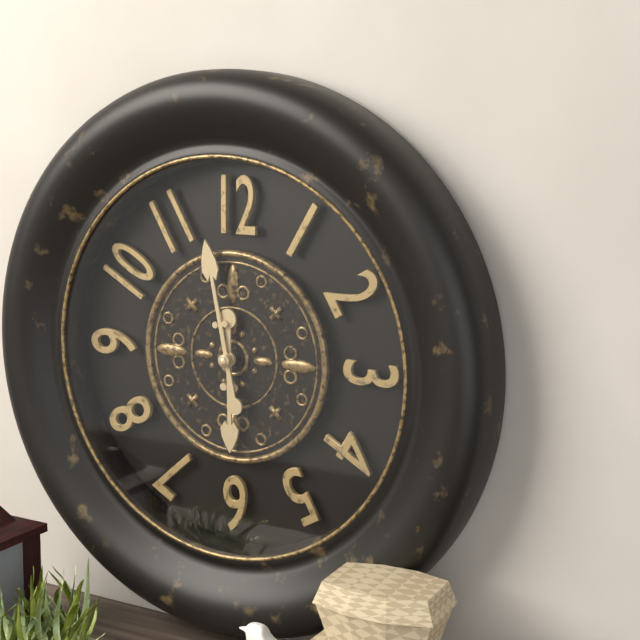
{"hour": 5, "minute": 58}
